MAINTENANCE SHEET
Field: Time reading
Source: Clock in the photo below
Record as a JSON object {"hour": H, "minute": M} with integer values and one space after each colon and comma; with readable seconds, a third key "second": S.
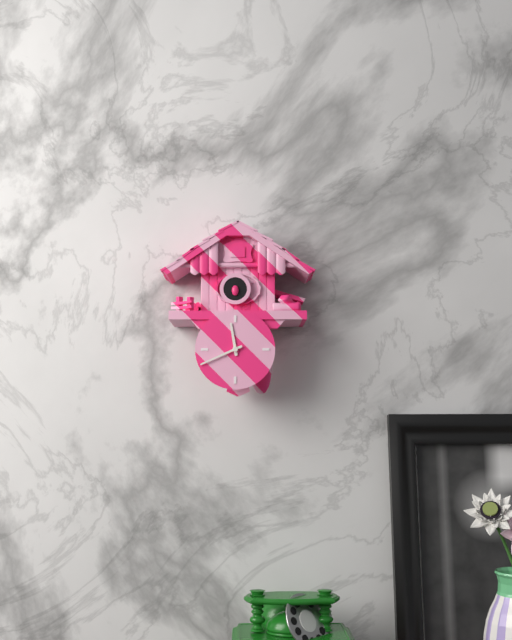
{"hour": 11, "minute": 41}
